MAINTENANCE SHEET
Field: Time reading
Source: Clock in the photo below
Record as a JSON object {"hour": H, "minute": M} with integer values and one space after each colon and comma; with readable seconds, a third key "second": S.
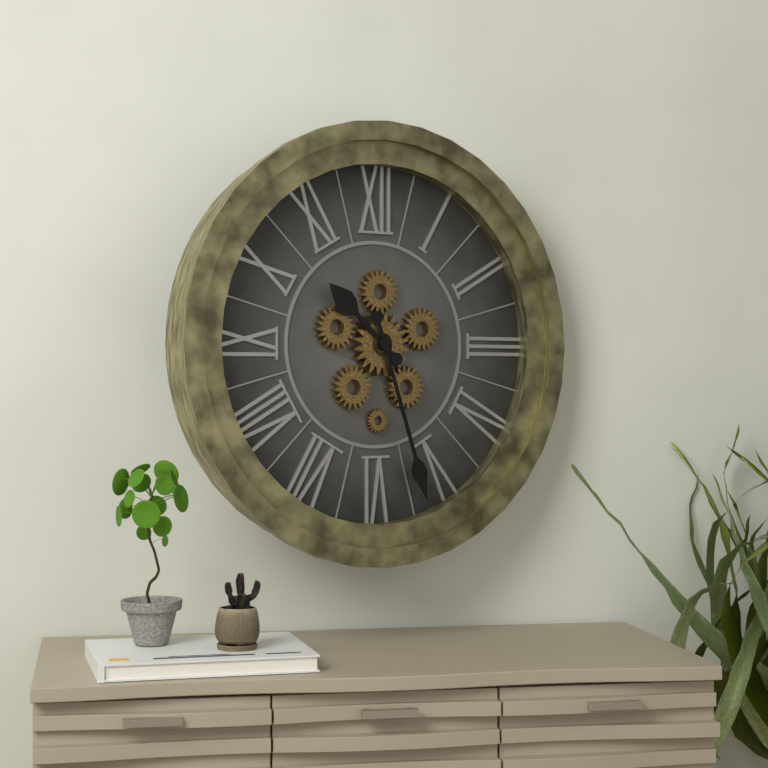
{"hour": 10, "minute": 27}
